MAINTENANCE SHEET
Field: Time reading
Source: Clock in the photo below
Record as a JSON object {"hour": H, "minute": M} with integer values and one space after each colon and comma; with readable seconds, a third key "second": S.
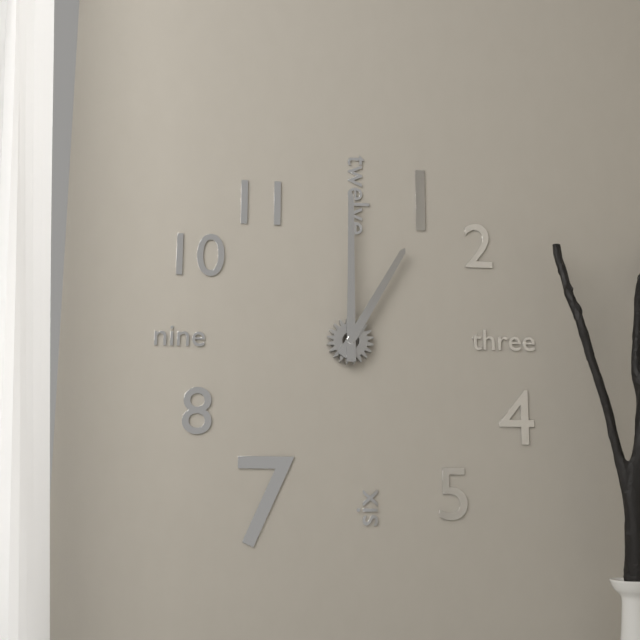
{"hour": 1, "minute": 0}
